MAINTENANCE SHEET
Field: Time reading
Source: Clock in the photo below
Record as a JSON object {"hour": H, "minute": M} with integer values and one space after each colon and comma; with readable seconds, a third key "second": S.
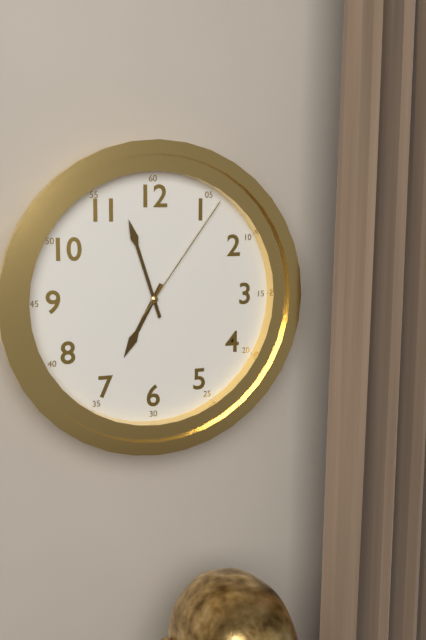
{"hour": 6, "minute": 57, "second": 6}
